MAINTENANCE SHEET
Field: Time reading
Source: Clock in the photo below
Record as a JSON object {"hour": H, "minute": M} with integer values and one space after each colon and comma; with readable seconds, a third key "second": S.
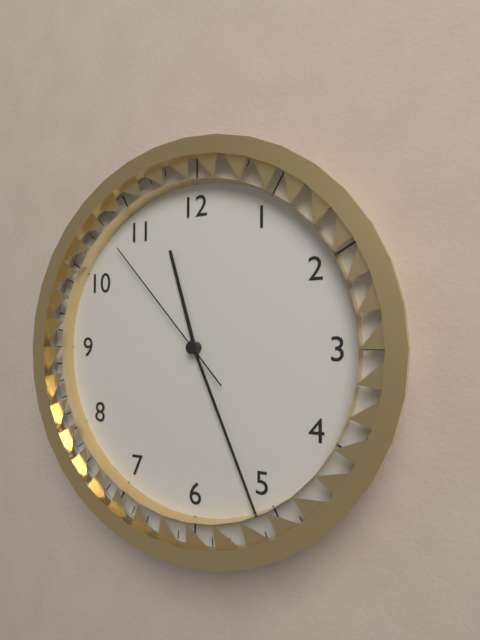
{"hour": 11, "minute": 26, "second": 53}
